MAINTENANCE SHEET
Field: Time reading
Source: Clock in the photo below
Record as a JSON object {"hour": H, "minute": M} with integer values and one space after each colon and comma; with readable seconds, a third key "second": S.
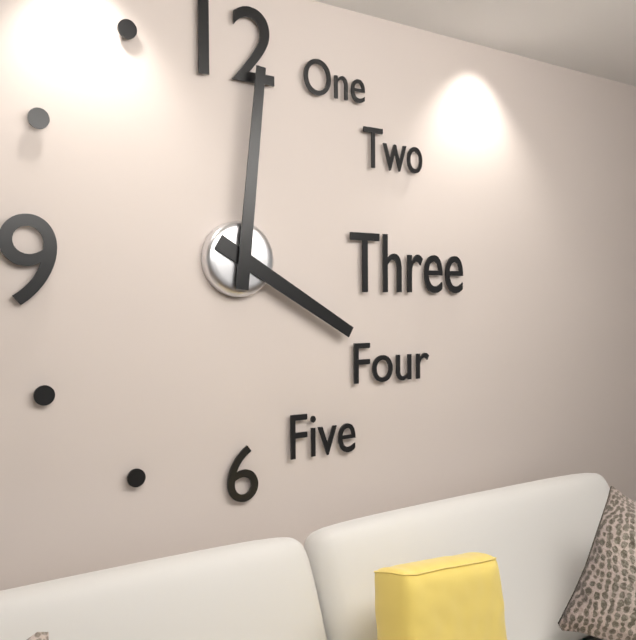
{"hour": 4, "minute": 1}
